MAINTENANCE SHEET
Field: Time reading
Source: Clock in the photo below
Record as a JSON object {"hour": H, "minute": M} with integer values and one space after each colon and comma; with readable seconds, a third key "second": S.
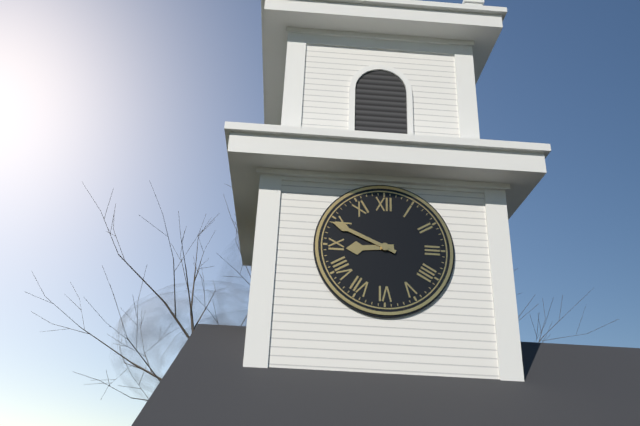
{"hour": 8, "minute": 49}
